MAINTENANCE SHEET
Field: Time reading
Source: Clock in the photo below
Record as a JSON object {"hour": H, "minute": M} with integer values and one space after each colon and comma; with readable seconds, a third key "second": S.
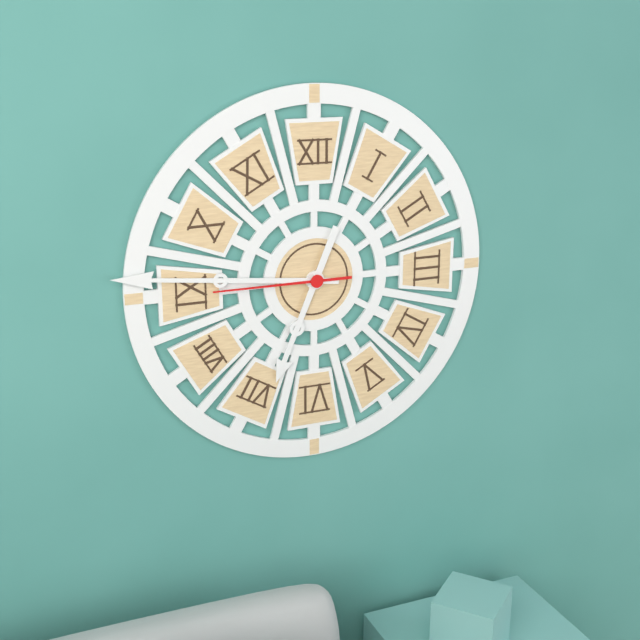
{"hour": 6, "minute": 46, "second": 45}
